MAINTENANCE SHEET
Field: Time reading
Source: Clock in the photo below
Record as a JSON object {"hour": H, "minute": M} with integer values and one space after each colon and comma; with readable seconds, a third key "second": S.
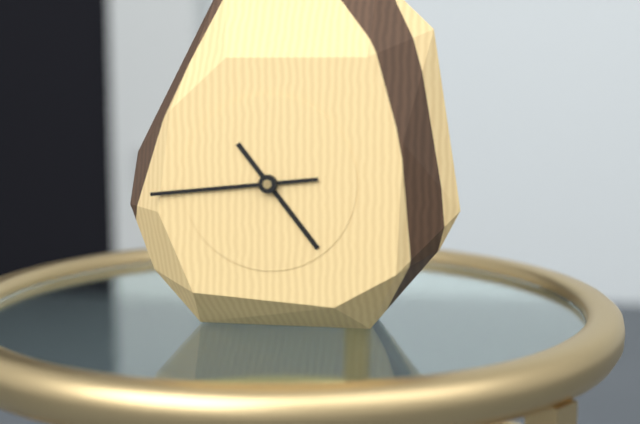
{"hour": 4, "minute": 44}
